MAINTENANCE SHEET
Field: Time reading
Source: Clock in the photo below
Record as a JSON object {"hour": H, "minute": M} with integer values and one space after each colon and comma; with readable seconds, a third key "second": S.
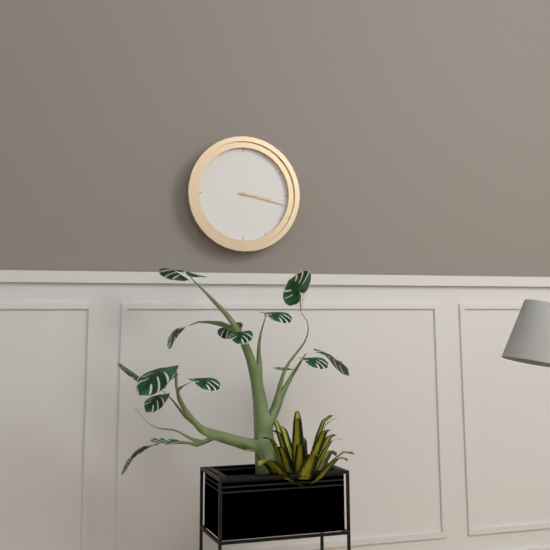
{"hour": 3, "minute": 17}
